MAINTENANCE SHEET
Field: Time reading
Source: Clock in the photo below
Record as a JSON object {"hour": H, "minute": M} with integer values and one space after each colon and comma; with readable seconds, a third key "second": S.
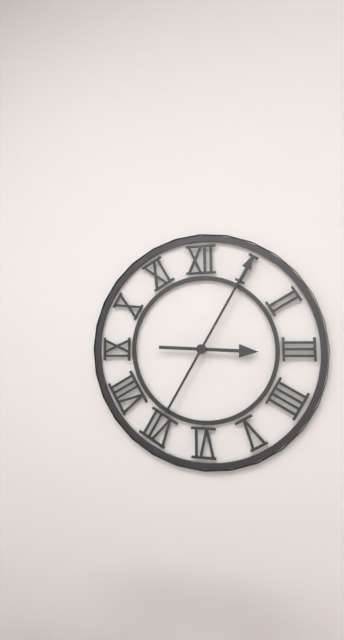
{"hour": 3, "minute": 5}
